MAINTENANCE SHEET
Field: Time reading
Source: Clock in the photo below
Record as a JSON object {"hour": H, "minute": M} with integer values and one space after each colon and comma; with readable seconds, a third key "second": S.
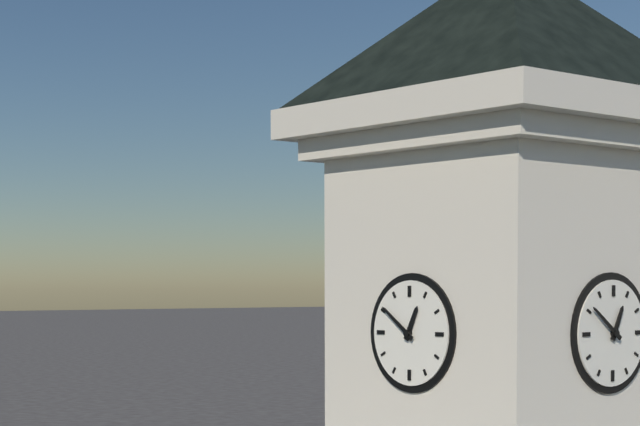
{"hour": 12, "minute": 51}
